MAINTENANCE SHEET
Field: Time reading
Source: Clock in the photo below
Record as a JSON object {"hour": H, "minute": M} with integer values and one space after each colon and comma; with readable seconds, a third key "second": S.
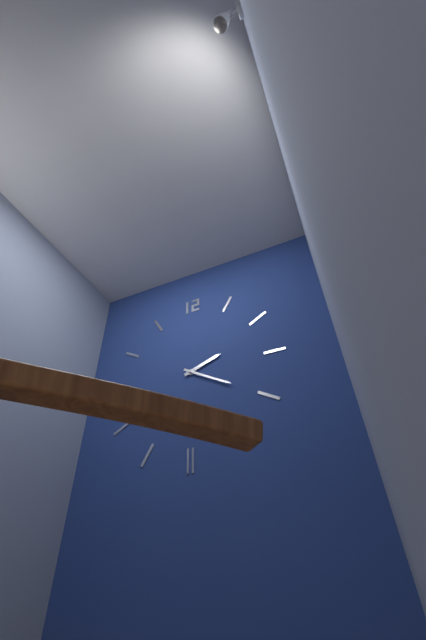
{"hour": 2, "minute": 20}
